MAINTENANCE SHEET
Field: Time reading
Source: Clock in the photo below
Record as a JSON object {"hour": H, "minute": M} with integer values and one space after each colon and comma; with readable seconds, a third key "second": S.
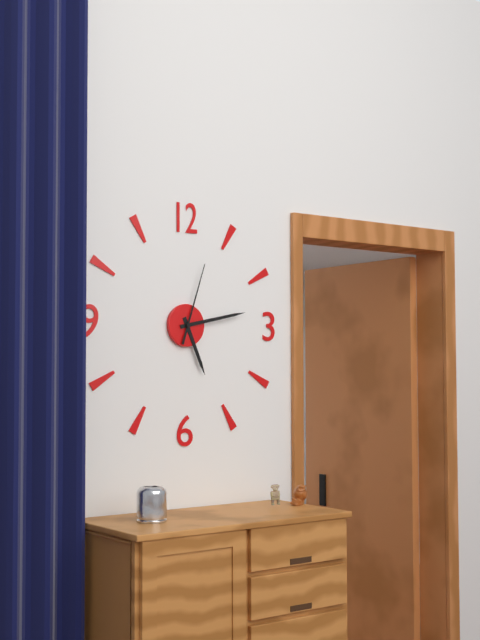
{"hour": 5, "minute": 13, "second": 3}
